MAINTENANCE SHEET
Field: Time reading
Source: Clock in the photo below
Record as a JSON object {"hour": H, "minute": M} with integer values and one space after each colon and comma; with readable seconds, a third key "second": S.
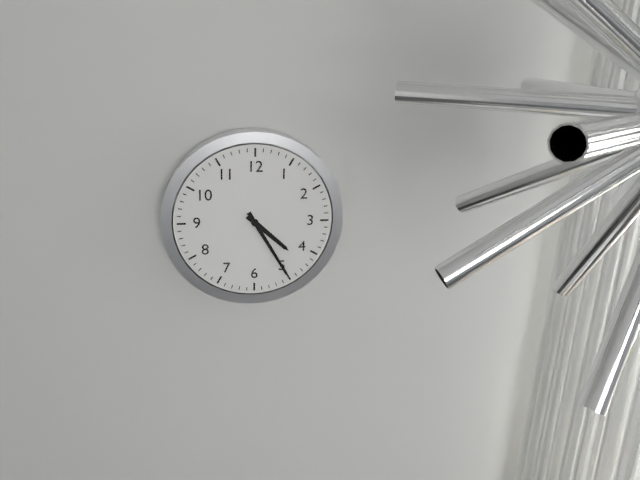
{"hour": 4, "minute": 25}
